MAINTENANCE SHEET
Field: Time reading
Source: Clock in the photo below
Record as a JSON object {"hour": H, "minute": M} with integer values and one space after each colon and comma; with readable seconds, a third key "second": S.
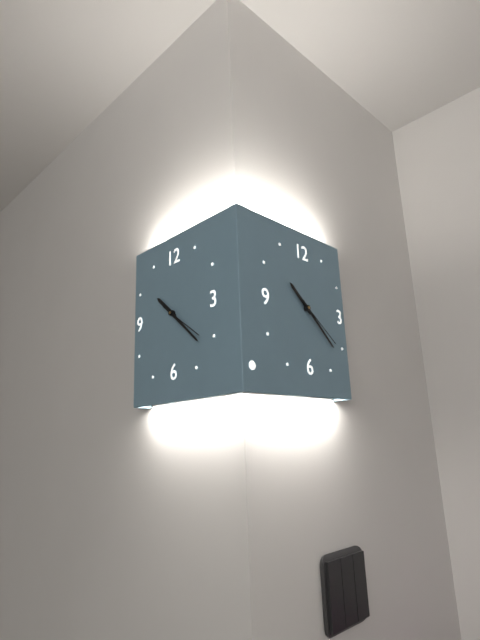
{"hour": 10, "minute": 22}
